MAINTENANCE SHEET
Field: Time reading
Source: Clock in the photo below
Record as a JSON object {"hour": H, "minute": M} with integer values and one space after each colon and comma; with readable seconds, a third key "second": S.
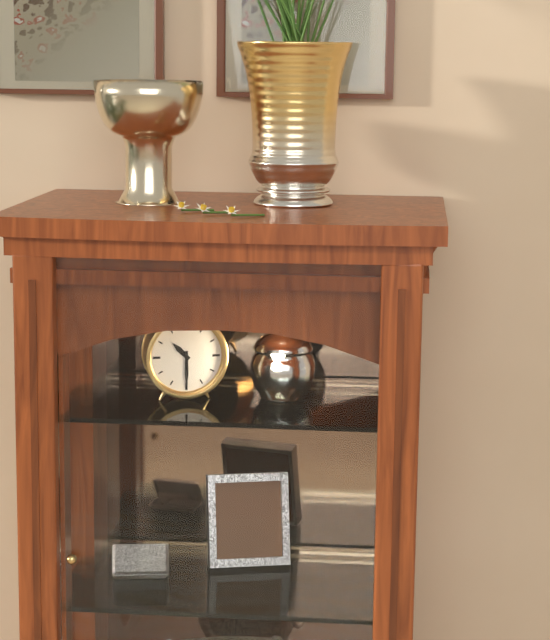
{"hour": 10, "minute": 30}
